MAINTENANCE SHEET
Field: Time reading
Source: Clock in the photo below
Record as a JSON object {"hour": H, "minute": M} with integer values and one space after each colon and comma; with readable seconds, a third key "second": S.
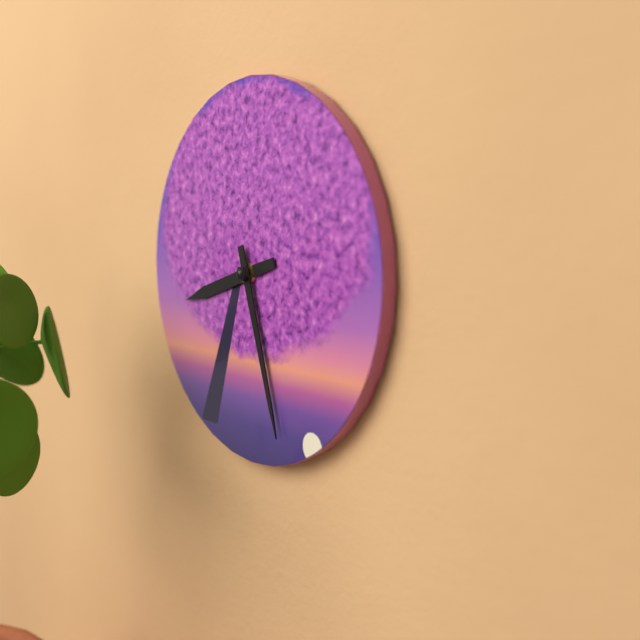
{"hour": 8, "minute": 27}
